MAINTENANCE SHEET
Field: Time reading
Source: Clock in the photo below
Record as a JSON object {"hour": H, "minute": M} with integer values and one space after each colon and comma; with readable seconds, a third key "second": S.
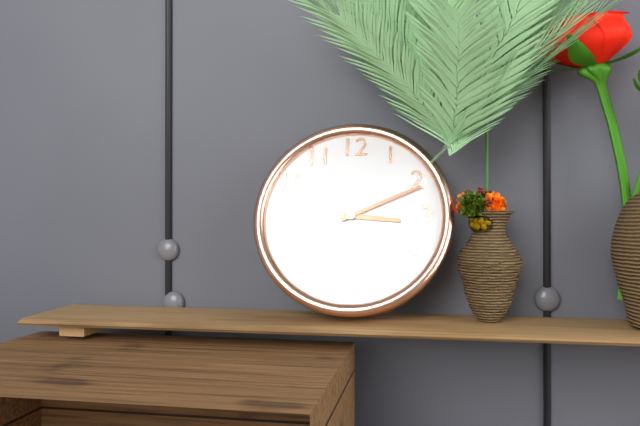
{"hour": 3, "minute": 11}
